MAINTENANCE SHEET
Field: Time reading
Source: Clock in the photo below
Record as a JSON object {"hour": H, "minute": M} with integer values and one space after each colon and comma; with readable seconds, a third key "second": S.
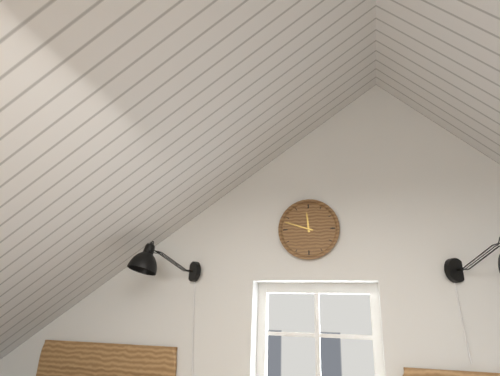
{"hour": 11, "minute": 48}
